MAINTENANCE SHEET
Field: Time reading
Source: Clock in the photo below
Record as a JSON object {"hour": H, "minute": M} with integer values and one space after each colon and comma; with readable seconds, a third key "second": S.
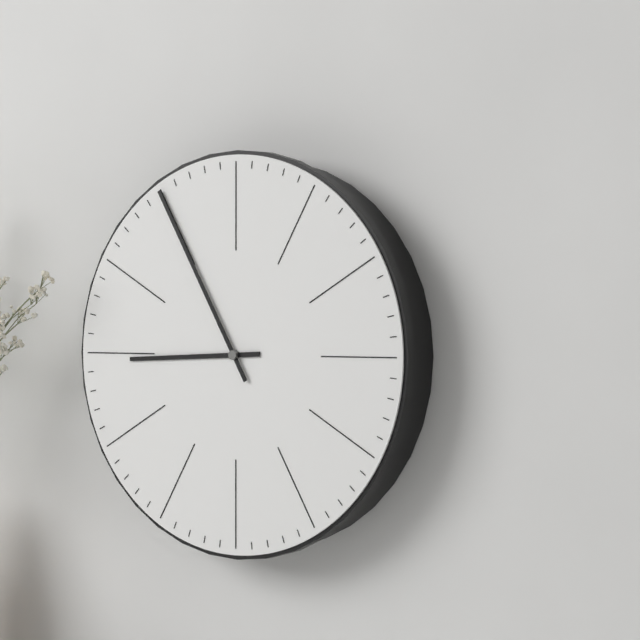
{"hour": 8, "minute": 55}
